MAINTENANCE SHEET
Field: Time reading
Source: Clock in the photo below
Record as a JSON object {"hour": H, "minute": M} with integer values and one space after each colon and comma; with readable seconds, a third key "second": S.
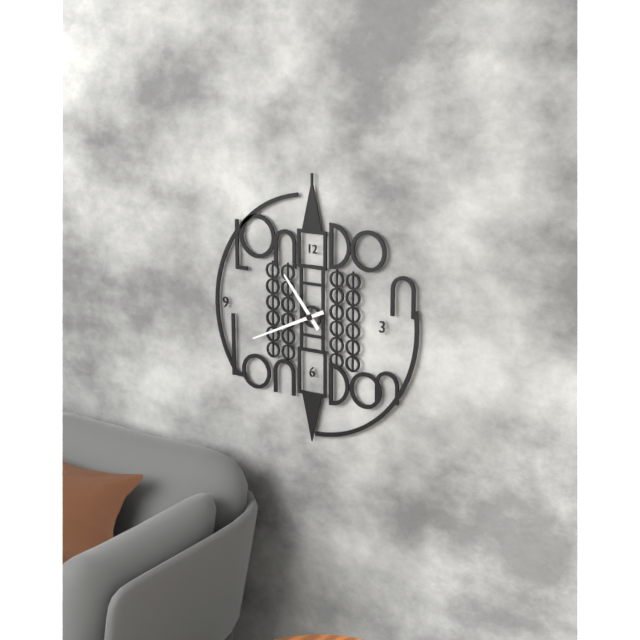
{"hour": 10, "minute": 41}
